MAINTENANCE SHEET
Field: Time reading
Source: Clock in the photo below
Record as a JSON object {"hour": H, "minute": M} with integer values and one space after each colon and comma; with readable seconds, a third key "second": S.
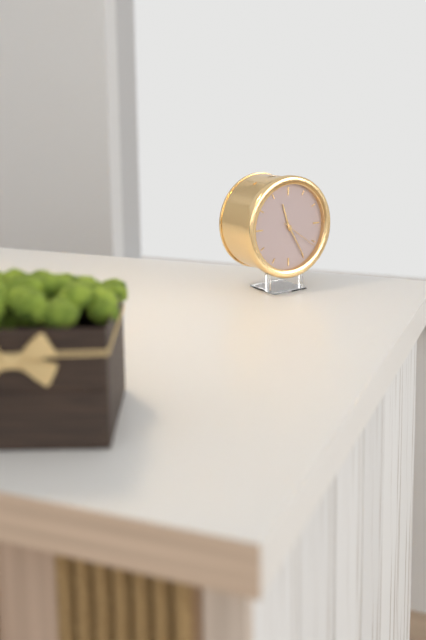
{"hour": 11, "minute": 25}
